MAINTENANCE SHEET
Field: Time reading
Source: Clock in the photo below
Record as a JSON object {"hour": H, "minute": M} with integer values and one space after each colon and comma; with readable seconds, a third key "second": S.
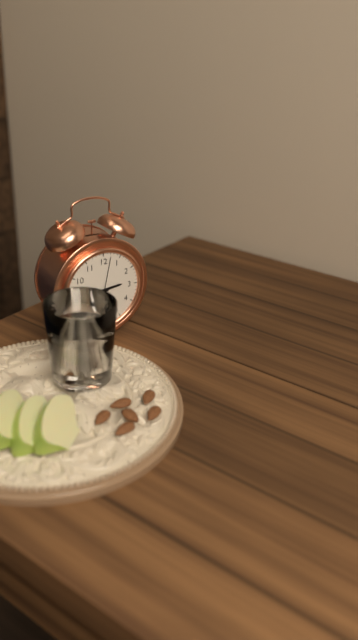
{"hour": 2, "minute": 47}
